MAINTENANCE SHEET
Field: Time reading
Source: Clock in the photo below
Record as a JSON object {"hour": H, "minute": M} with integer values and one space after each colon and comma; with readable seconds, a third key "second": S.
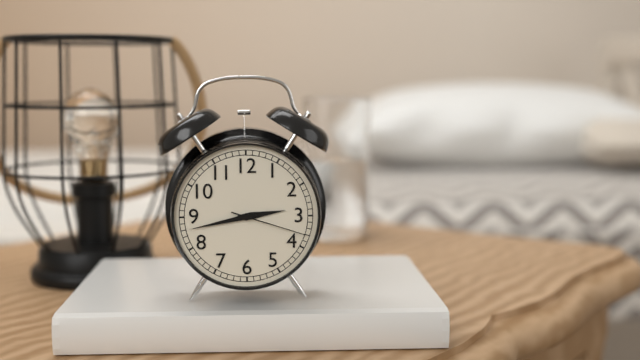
{"hour": 2, "minute": 43, "second": 18}
